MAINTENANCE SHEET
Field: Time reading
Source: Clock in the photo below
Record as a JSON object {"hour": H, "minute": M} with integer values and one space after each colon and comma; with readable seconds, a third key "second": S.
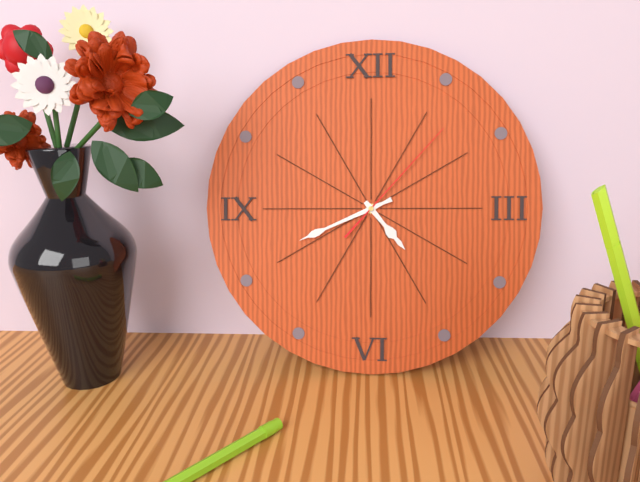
{"hour": 4, "minute": 41, "second": 7}
